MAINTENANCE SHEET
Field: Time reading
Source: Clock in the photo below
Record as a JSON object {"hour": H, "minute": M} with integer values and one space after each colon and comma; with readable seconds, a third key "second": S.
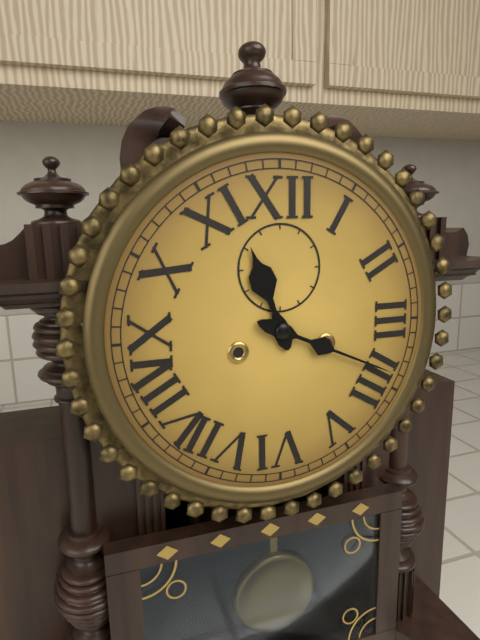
{"hour": 11, "minute": 19}
